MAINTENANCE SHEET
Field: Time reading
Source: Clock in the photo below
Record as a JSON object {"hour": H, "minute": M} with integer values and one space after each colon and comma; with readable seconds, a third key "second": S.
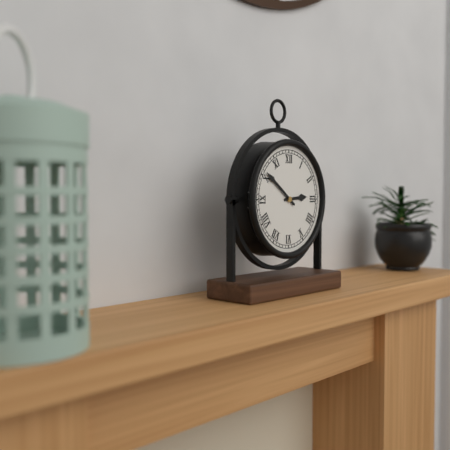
{"hour": 2, "minute": 51}
